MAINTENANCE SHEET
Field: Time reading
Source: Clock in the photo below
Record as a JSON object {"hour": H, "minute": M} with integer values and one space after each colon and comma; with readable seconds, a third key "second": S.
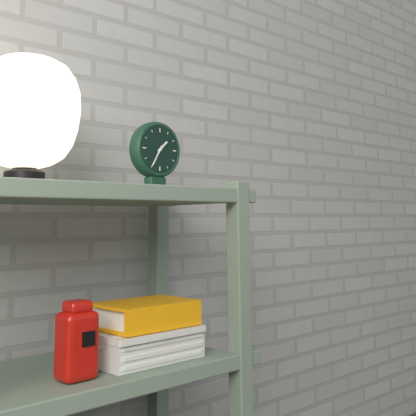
{"hour": 1, "minute": 35}
